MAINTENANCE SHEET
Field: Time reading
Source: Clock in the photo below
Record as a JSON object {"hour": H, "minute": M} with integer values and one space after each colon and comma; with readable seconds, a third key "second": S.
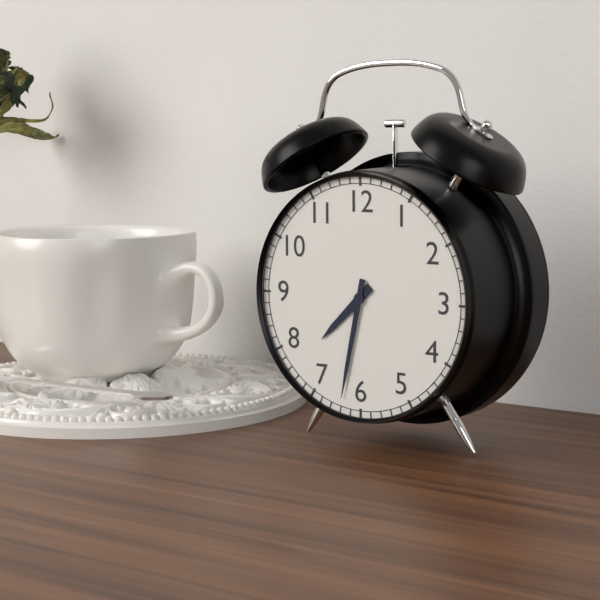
{"hour": 7, "minute": 32}
